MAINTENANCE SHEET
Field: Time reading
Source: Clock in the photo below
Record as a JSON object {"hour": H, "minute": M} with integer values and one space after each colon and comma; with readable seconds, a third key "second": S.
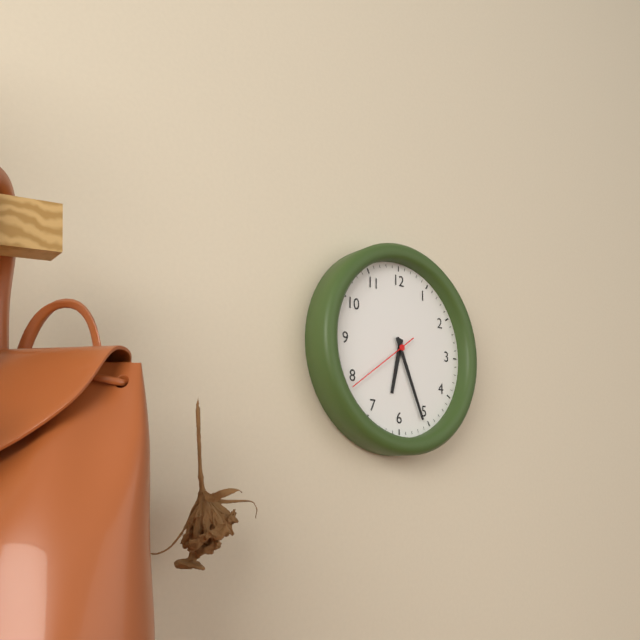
{"hour": 6, "minute": 26, "second": 39}
